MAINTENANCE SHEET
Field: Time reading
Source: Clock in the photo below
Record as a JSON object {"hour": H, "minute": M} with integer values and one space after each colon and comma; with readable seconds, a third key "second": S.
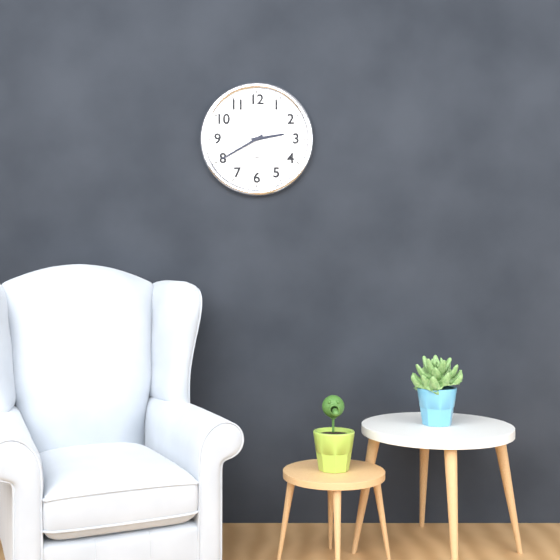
{"hour": 2, "minute": 40}
